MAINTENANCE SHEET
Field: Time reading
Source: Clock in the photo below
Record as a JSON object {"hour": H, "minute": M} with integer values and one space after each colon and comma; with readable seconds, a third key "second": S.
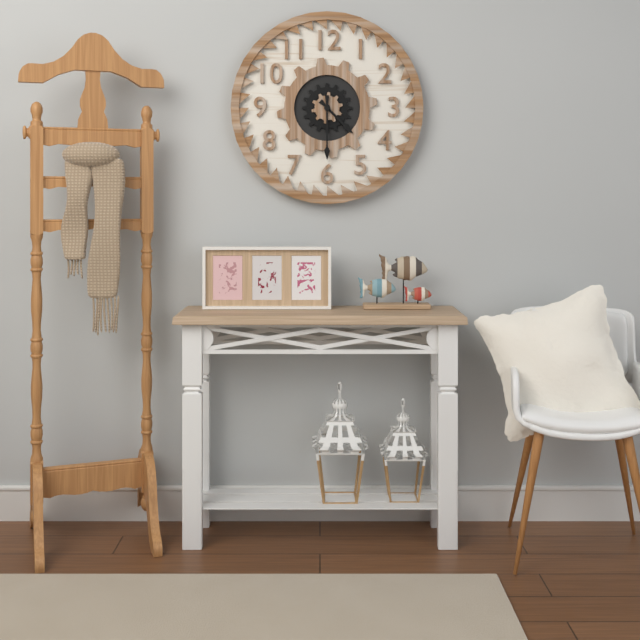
{"hour": 4, "minute": 30}
